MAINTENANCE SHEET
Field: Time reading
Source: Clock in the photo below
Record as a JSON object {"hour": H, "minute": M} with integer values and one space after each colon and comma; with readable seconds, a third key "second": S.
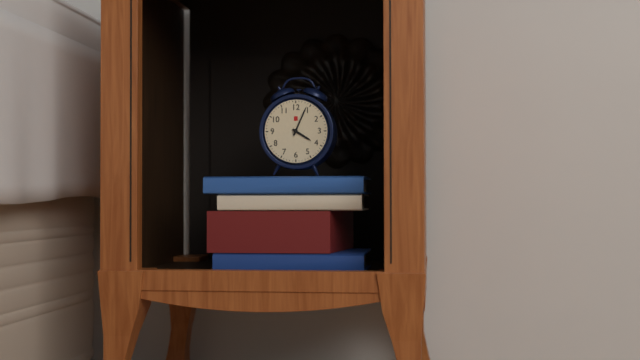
{"hour": 4, "minute": 4}
